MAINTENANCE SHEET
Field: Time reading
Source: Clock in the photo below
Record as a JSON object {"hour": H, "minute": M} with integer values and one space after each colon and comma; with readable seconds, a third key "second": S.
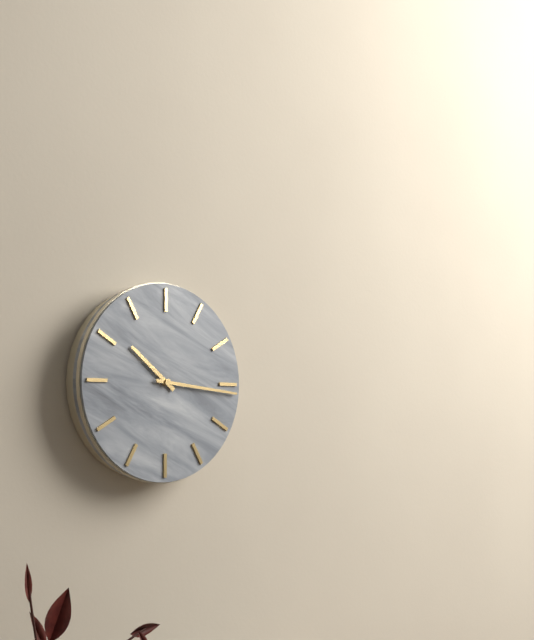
{"hour": 10, "minute": 16}
